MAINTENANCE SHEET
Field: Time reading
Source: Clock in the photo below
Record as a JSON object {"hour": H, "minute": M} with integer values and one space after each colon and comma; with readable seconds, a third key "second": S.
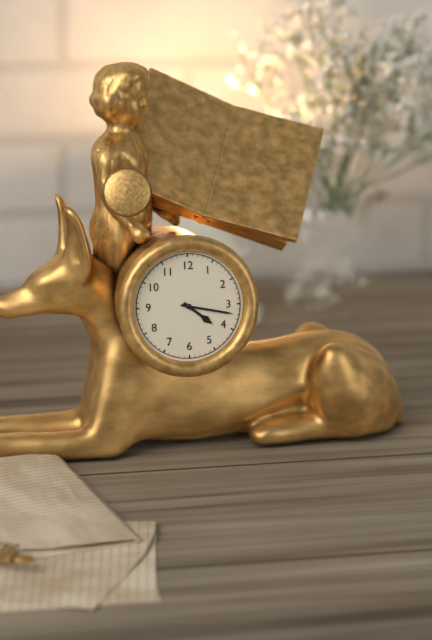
{"hour": 4, "minute": 17}
